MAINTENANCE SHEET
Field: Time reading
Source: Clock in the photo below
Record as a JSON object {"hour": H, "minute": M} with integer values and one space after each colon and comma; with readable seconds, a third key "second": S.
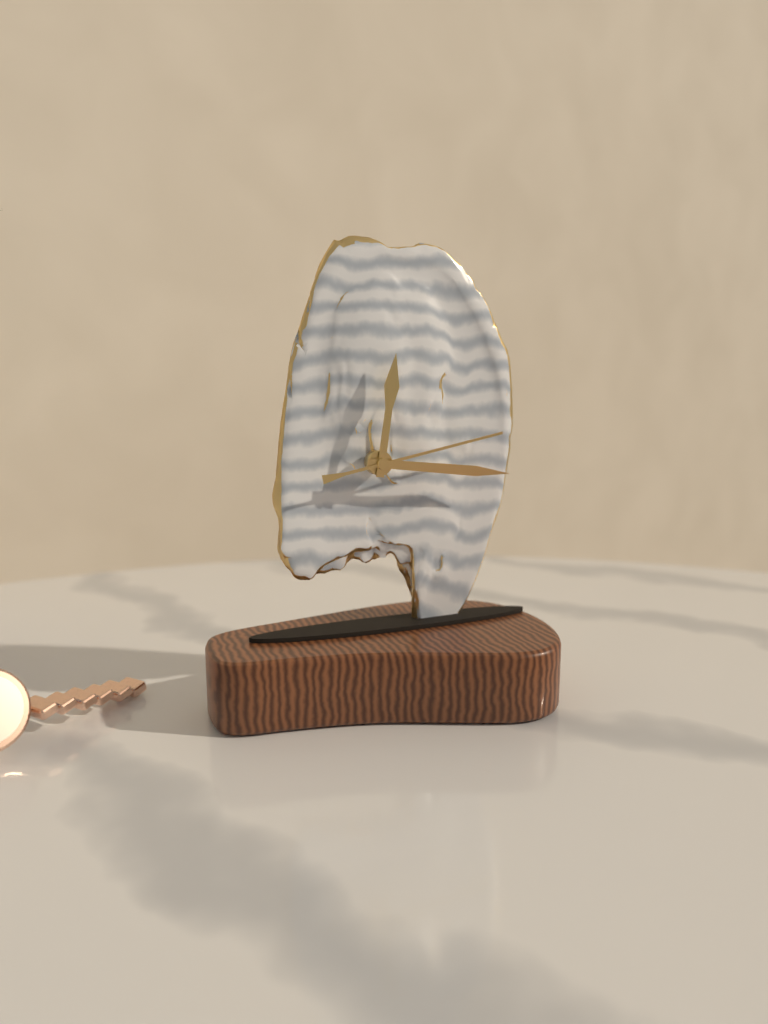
{"hour": 12, "minute": 16, "second": 13}
